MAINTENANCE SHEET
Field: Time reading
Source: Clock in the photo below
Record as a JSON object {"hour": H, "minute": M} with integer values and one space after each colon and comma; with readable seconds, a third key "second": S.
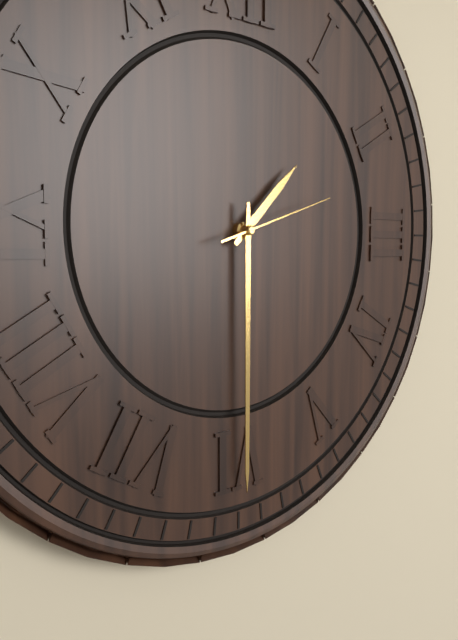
{"hour": 1, "minute": 30, "second": 12}
